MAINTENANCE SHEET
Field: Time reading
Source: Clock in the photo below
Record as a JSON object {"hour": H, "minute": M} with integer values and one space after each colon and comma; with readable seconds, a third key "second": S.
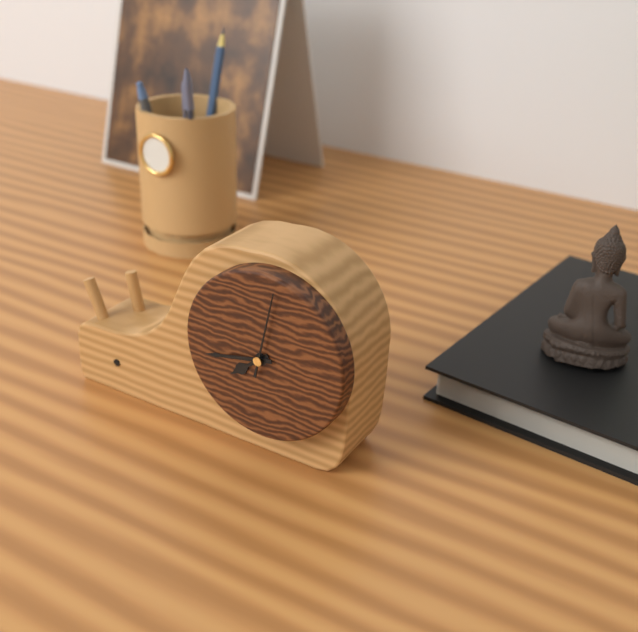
{"hour": 7, "minute": 43, "second": 2}
